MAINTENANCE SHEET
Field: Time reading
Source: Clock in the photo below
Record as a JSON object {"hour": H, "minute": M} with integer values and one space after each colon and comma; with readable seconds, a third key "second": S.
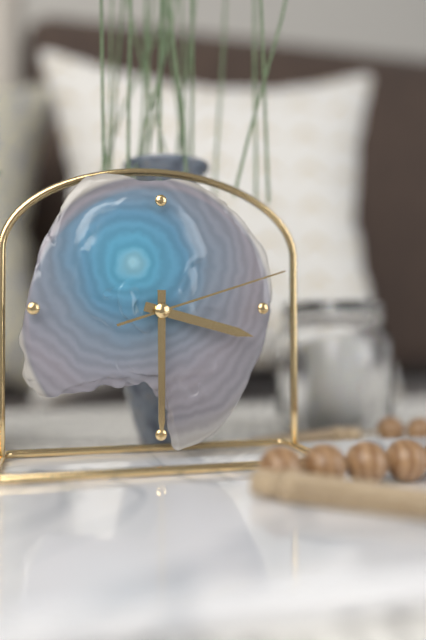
{"hour": 3, "minute": 30, "second": 12}
